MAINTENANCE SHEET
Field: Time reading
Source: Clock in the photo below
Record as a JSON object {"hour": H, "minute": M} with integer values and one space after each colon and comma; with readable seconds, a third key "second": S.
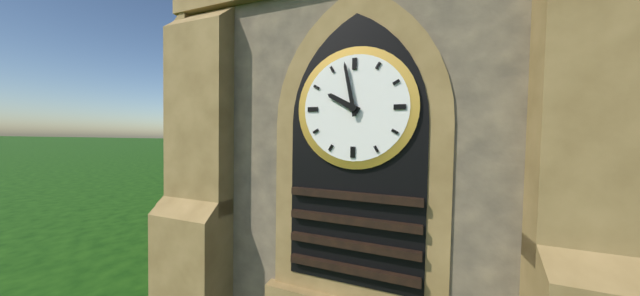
{"hour": 9, "minute": 58}
